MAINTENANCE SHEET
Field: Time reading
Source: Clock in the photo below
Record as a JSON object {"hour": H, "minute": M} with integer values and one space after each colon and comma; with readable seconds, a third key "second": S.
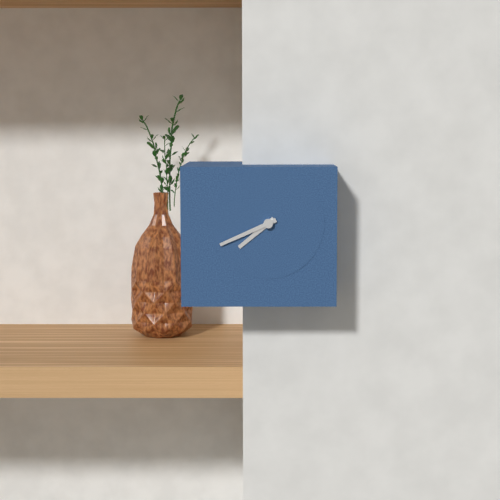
{"hour": 7, "minute": 41}
